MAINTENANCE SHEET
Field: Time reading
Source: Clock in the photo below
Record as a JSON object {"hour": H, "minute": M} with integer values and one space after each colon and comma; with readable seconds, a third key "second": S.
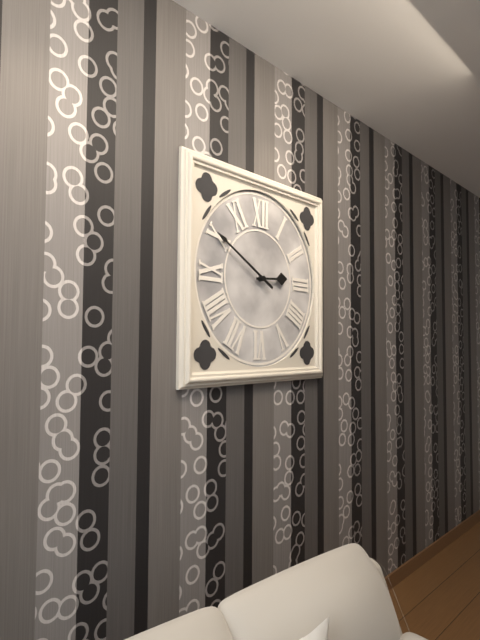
{"hour": 2, "minute": 50}
